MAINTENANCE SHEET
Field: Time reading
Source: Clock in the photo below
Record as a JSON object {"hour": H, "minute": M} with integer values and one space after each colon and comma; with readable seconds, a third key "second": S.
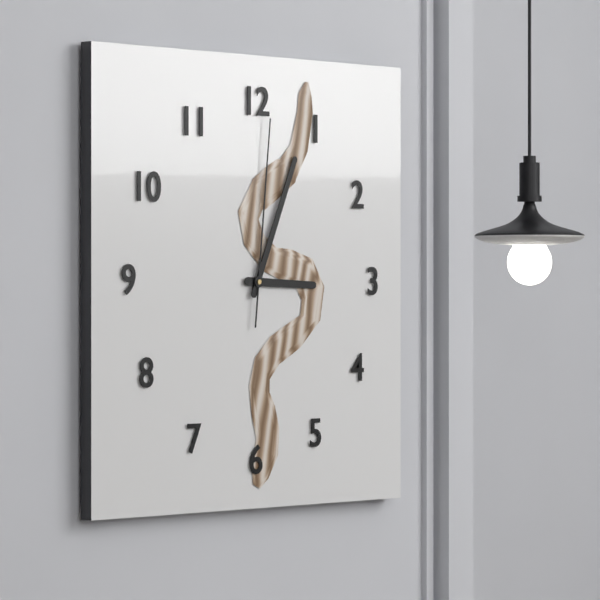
{"hour": 3, "minute": 4, "second": 1}
